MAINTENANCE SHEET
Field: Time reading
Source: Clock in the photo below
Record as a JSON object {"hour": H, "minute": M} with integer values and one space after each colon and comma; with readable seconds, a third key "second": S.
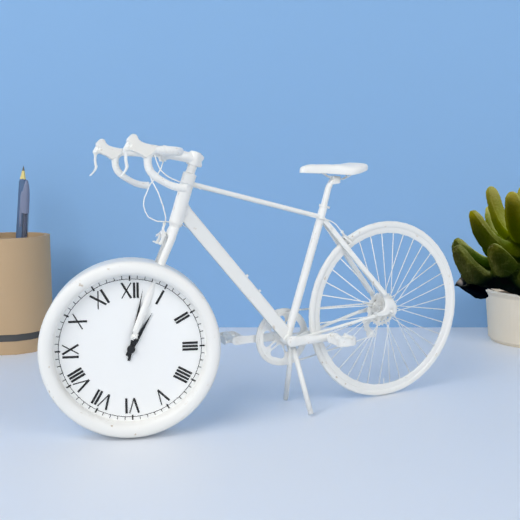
{"hour": 1, "minute": 2}
